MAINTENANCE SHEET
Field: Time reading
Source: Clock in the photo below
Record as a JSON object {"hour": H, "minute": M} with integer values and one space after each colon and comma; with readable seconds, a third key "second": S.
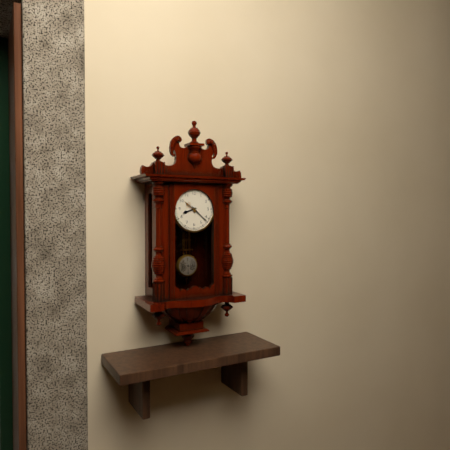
{"hour": 8, "minute": 22}
